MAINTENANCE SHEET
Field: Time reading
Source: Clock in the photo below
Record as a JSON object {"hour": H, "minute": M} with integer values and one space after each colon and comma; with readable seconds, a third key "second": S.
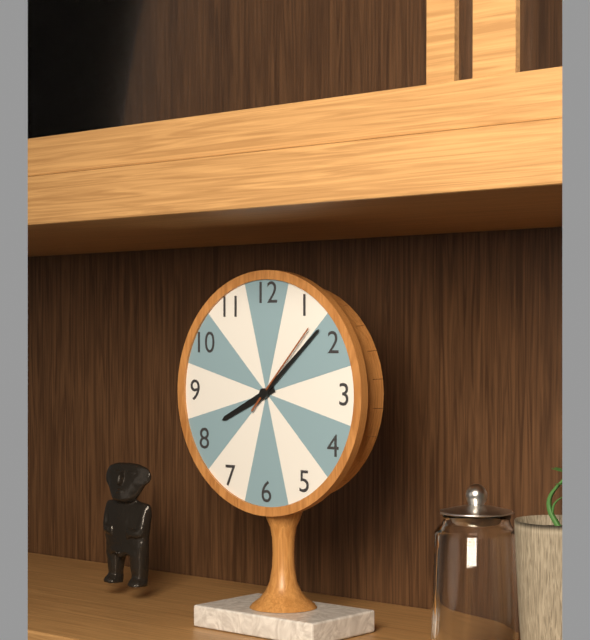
{"hour": 8, "minute": 8, "second": 7}
